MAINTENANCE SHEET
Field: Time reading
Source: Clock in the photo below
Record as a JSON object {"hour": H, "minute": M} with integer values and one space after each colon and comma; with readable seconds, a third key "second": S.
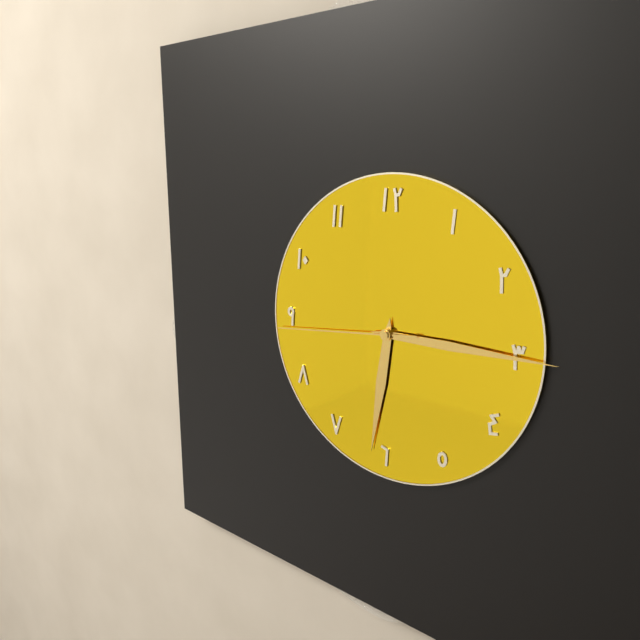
{"hour": 6, "minute": 15, "second": 44}
